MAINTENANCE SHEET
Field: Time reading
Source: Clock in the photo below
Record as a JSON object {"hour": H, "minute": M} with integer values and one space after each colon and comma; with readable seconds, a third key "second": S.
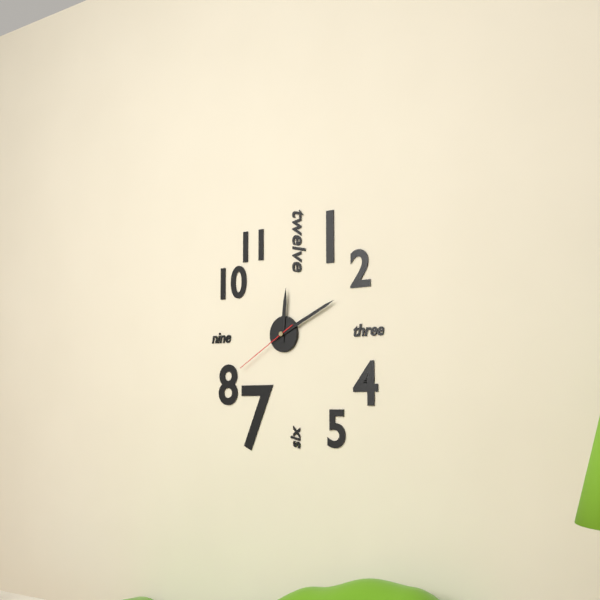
{"hour": 12, "minute": 11, "second": 40}
